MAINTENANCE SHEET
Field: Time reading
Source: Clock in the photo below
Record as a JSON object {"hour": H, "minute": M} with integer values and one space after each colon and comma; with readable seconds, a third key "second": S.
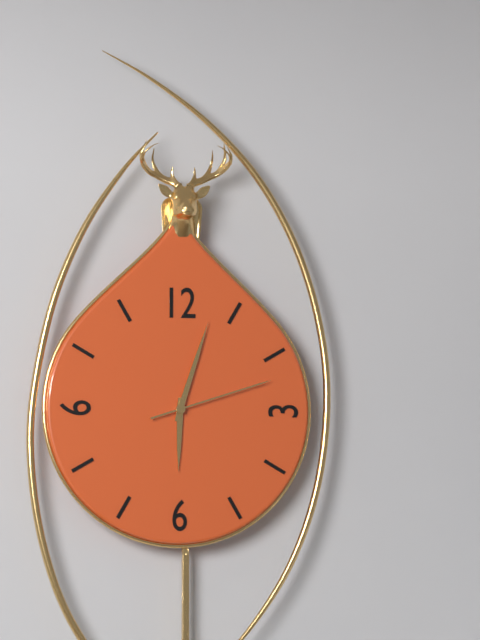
{"hour": 6, "minute": 3, "second": 12}
